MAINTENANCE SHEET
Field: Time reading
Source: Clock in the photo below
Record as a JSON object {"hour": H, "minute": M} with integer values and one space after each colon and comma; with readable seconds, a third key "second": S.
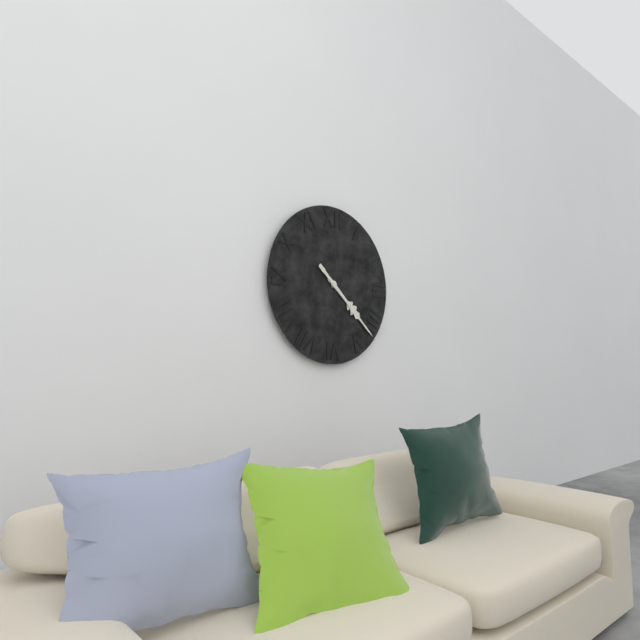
{"hour": 4, "minute": 22}
